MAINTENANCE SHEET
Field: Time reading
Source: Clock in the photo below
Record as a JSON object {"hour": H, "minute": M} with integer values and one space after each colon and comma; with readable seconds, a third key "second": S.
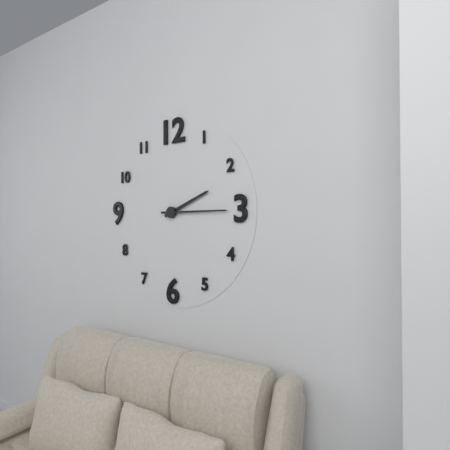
{"hour": 2, "minute": 15}
